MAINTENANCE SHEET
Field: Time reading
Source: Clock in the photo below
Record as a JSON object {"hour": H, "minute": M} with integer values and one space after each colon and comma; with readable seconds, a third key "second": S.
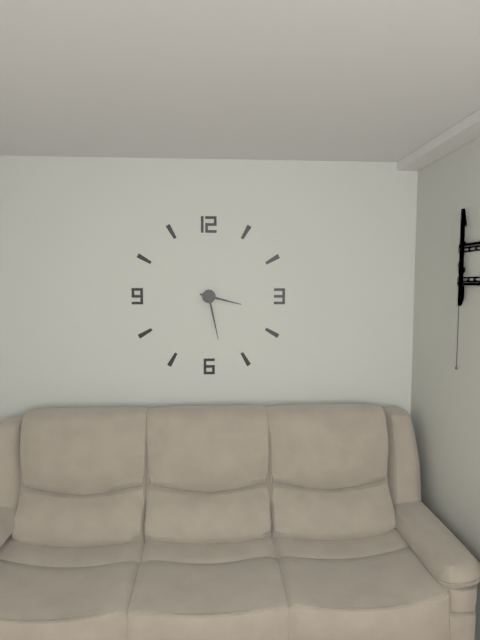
{"hour": 3, "minute": 28}
